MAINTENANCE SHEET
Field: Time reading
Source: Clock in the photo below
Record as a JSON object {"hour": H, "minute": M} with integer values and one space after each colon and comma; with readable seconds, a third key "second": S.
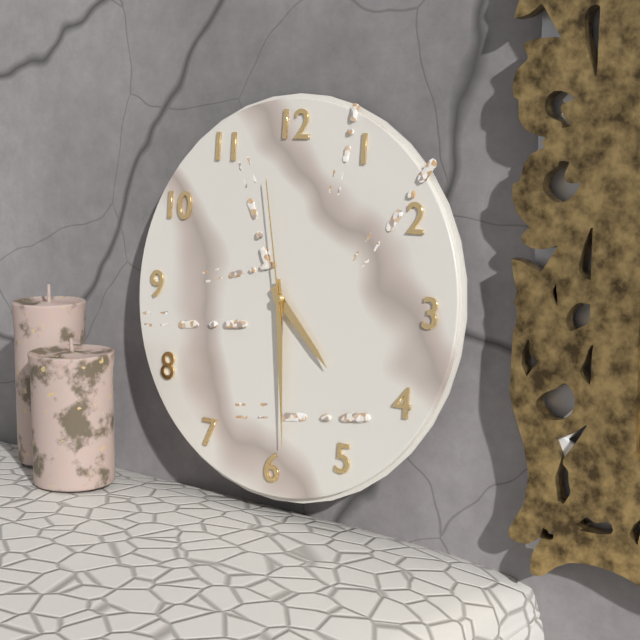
{"hour": 4, "minute": 29, "second": 58}
